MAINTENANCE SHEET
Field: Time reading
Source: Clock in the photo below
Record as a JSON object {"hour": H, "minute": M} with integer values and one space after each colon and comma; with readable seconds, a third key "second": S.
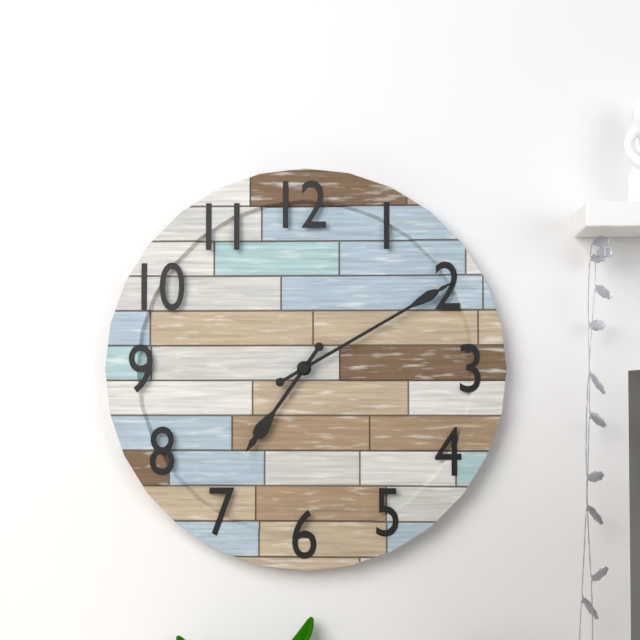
{"hour": 7, "minute": 10}
